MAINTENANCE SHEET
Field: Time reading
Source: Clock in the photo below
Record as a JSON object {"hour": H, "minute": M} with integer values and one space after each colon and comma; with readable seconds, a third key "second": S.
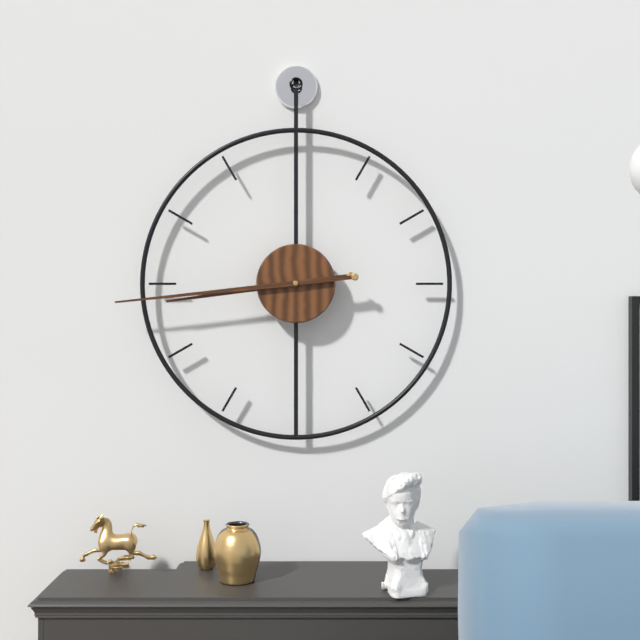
{"hour": 8, "minute": 44}
